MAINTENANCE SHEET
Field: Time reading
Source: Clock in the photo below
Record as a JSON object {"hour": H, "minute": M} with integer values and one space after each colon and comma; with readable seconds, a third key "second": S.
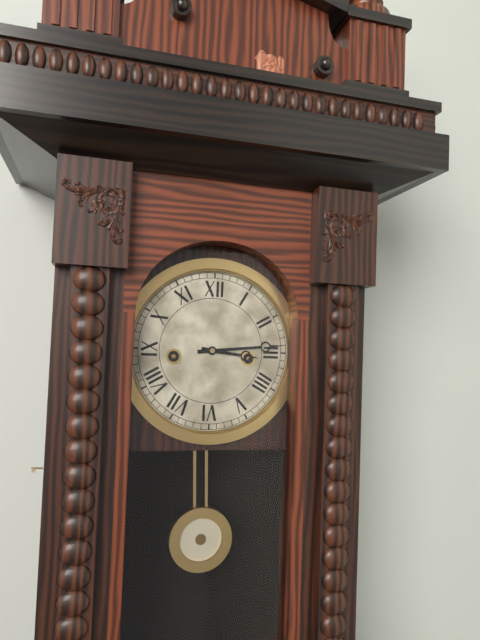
{"hour": 3, "minute": 14}
